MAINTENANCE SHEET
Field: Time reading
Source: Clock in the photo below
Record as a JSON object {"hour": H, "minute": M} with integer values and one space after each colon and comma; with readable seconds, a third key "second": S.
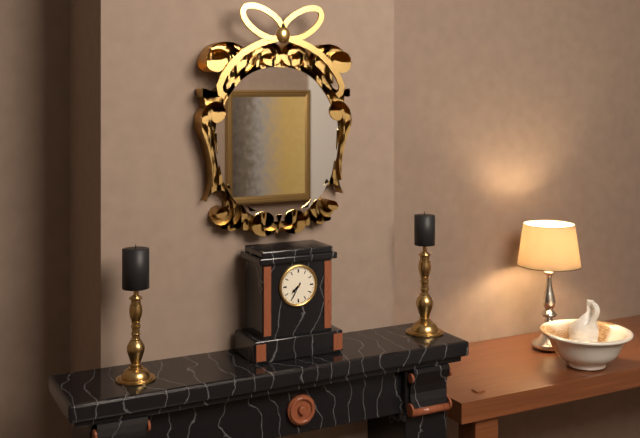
{"hour": 7, "minute": 35}
